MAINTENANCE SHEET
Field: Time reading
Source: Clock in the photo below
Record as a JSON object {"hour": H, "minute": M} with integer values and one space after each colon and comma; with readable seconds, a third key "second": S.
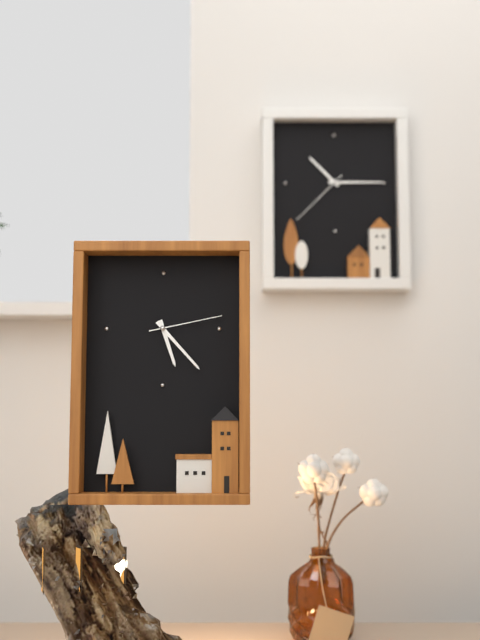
{"hour": 5, "minute": 23, "second": 13}
